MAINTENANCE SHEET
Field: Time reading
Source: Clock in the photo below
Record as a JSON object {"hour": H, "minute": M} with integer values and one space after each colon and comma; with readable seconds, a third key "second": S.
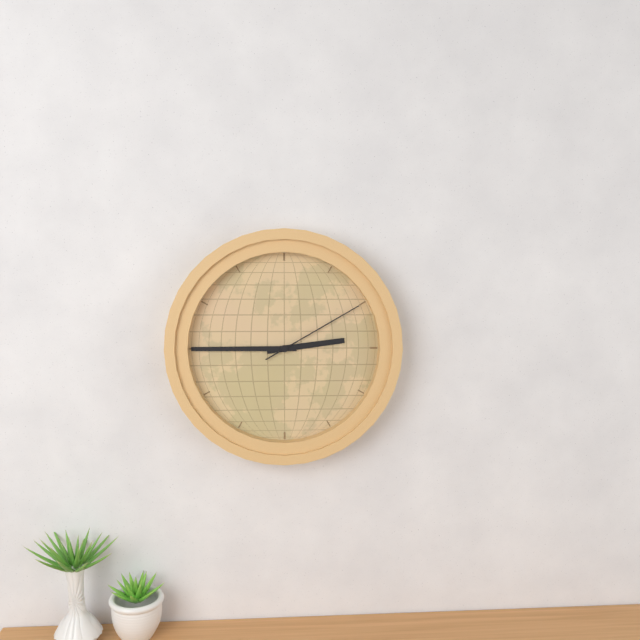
{"hour": 2, "minute": 45, "second": 10}
